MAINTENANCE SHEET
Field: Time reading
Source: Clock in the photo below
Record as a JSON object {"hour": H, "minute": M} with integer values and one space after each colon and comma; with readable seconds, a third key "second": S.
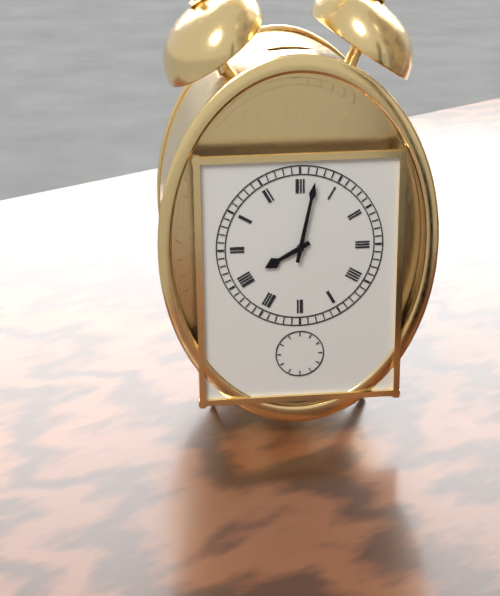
{"hour": 8, "minute": 2}
